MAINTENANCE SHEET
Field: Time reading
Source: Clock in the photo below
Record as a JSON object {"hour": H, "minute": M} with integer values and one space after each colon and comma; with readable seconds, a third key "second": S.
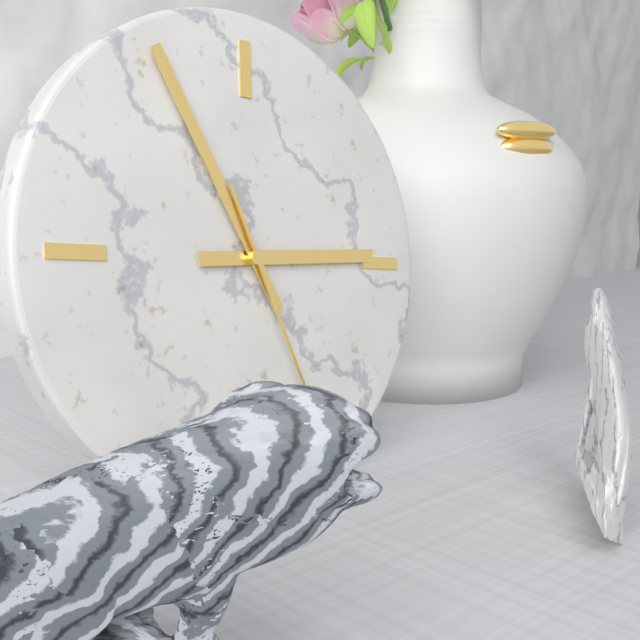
{"hour": 2, "minute": 55, "second": 26}
